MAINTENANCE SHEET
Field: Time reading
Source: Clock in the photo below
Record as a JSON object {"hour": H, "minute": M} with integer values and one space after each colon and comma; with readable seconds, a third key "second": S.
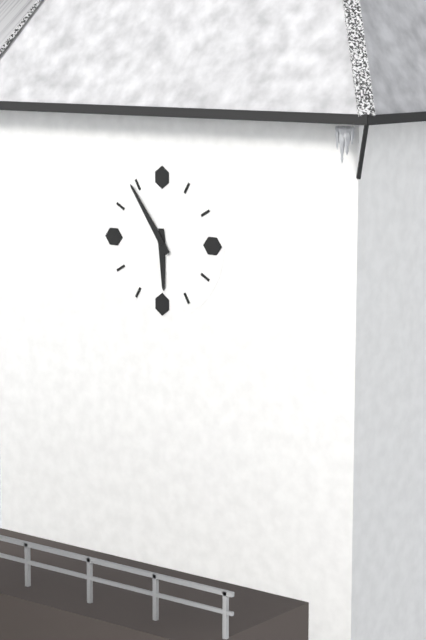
{"hour": 5, "minute": 54}
